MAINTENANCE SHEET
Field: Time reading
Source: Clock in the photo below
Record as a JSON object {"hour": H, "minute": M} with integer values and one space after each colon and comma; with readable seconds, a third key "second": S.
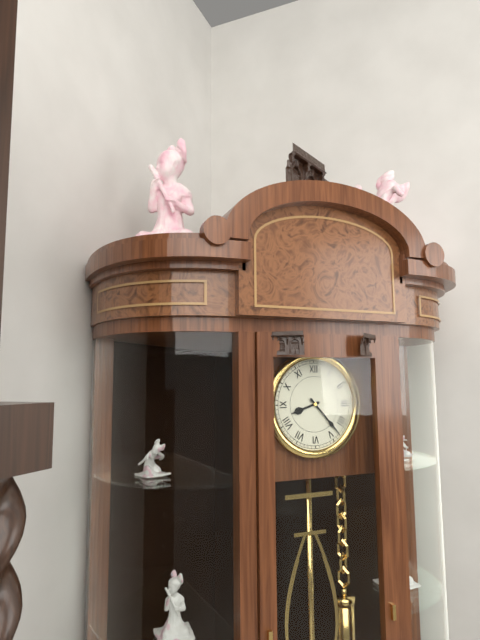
{"hour": 8, "minute": 23}
